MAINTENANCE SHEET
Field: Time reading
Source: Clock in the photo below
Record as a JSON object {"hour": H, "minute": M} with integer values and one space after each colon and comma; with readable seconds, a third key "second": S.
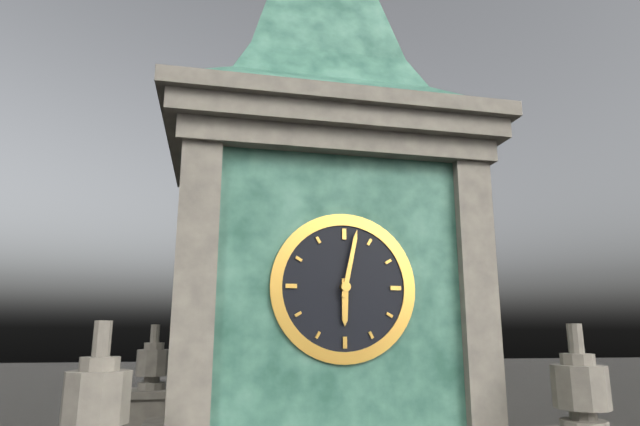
{"hour": 6, "minute": 2}
